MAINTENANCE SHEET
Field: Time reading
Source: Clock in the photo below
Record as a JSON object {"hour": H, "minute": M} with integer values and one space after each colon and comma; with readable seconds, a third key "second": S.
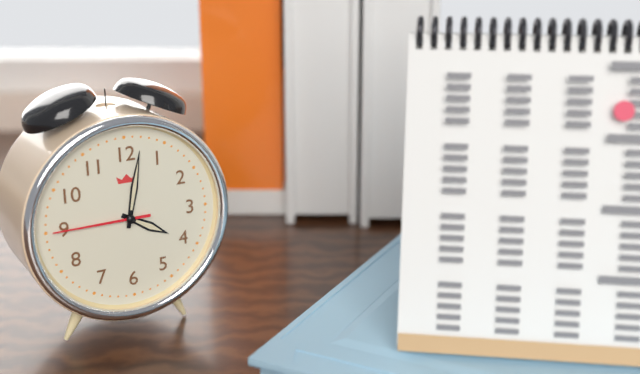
{"hour": 4, "minute": 2, "second": 45}
